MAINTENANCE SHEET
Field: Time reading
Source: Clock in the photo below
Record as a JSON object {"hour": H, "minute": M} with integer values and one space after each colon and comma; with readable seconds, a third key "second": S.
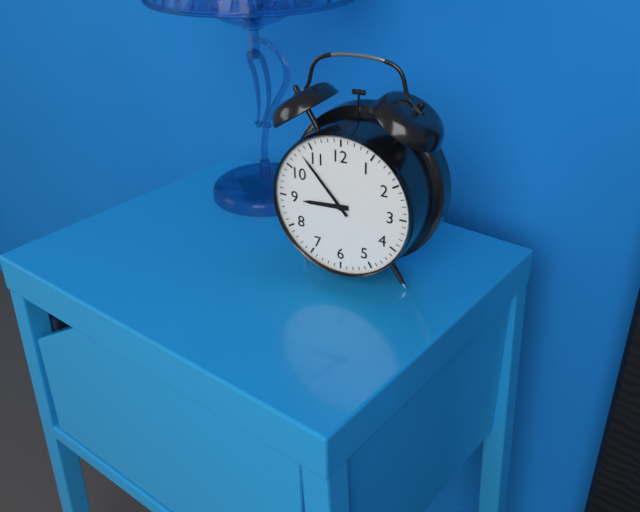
{"hour": 8, "minute": 53}
